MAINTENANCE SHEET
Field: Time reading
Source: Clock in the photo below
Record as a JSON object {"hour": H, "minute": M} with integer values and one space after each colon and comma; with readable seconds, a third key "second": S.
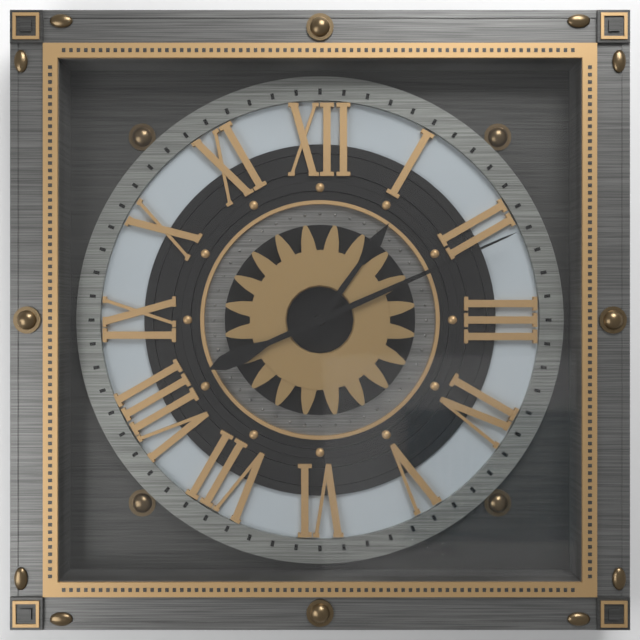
{"hour": 1, "minute": 11}
